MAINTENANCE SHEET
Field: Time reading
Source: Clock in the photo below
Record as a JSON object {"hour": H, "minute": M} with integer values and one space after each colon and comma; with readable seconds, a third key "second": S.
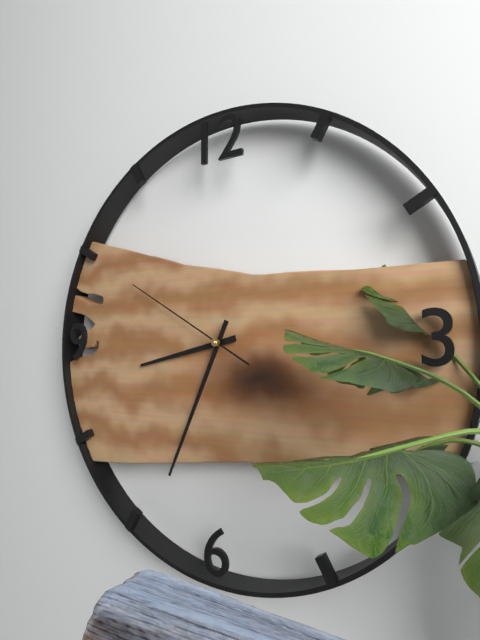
{"hour": 8, "minute": 34, "second": 50}
